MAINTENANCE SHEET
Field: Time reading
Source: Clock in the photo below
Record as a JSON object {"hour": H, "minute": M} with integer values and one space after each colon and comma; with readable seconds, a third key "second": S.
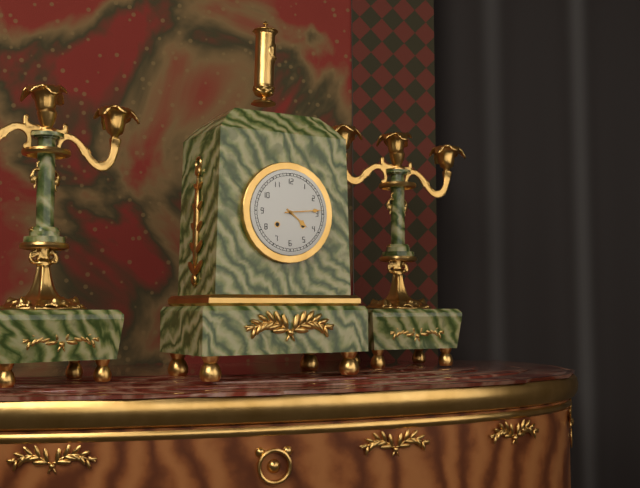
{"hour": 4, "minute": 14}
